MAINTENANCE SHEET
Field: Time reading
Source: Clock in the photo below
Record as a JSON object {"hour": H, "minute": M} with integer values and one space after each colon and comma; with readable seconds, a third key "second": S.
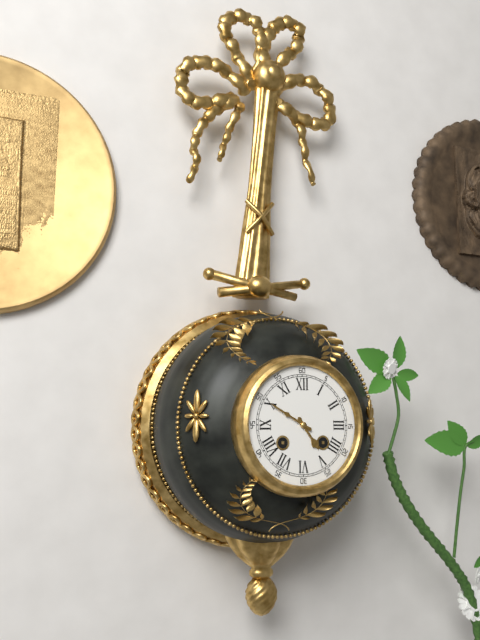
{"hour": 4, "minute": 50}
